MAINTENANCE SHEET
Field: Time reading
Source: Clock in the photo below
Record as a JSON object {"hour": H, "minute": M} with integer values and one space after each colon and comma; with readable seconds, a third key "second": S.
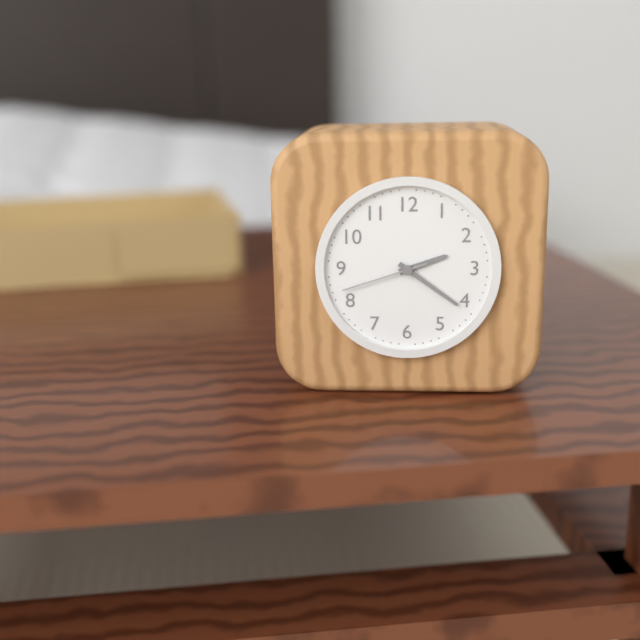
{"hour": 2, "minute": 21, "second": 42}
